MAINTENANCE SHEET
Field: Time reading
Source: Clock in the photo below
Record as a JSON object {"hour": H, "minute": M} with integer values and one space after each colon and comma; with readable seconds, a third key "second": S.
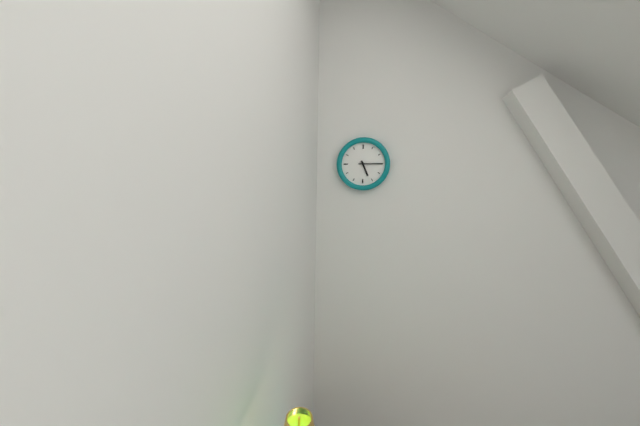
{"hour": 5, "minute": 15}
